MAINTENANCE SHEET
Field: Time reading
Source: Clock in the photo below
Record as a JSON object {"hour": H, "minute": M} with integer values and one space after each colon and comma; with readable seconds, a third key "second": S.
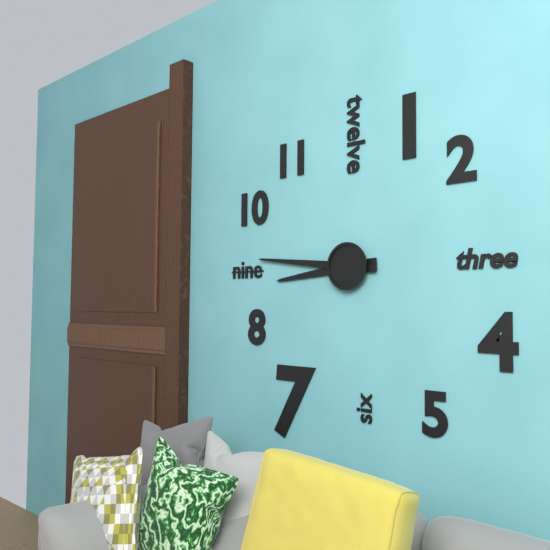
{"hour": 8, "minute": 46}
